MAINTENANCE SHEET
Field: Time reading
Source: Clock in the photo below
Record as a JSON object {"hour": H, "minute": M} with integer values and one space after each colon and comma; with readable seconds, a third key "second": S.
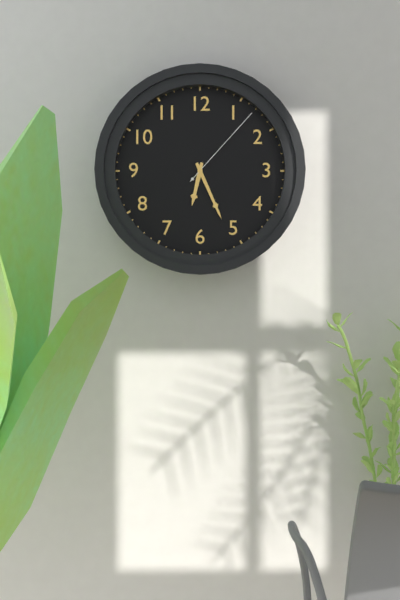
{"hour": 6, "minute": 26, "second": 7}
